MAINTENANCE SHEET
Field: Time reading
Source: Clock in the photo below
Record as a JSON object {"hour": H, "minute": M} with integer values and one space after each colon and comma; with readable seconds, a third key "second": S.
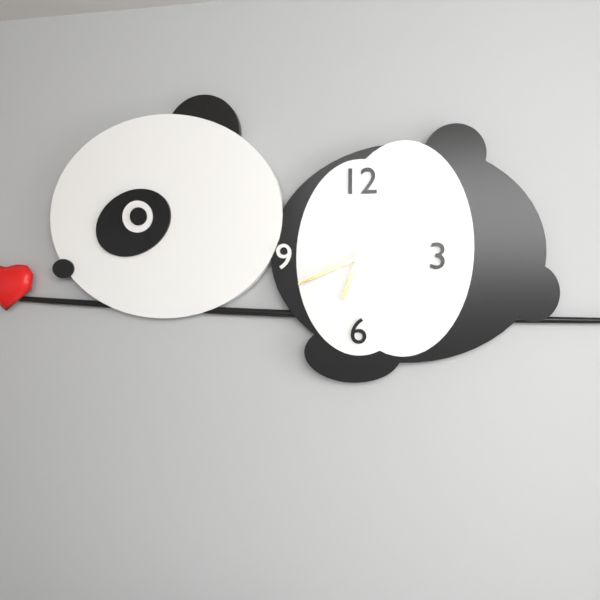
{"hour": 6, "minute": 41}
